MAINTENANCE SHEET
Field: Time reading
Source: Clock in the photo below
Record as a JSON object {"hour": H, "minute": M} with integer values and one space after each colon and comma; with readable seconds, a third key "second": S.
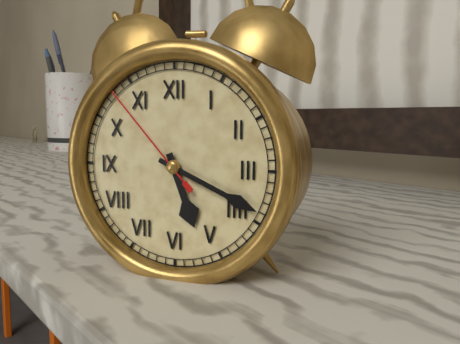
{"hour": 5, "minute": 19, "second": 53}
